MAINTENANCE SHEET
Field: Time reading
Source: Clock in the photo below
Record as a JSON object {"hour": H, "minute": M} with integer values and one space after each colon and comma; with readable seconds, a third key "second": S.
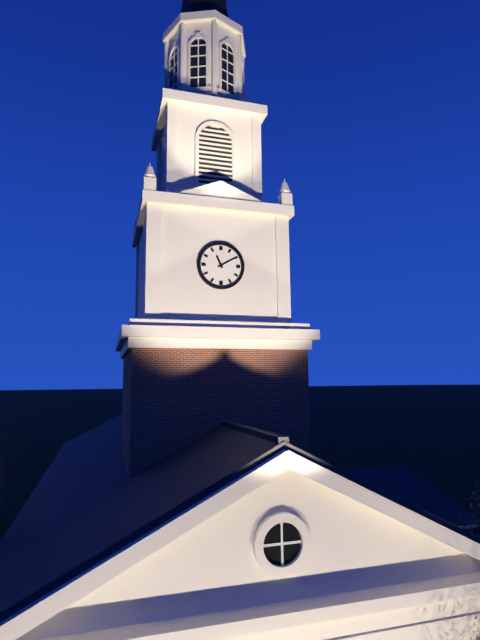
{"hour": 11, "minute": 10}
